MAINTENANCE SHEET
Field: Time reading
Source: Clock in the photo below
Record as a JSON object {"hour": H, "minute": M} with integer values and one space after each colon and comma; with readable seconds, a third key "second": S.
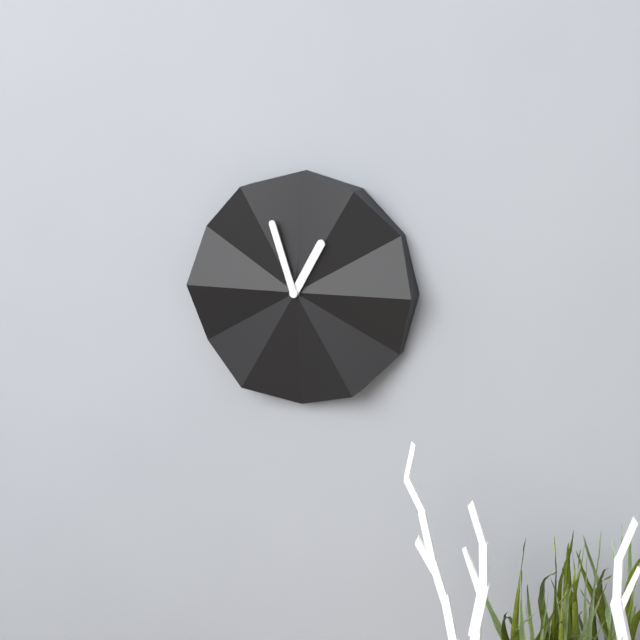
{"hour": 12, "minute": 57}
